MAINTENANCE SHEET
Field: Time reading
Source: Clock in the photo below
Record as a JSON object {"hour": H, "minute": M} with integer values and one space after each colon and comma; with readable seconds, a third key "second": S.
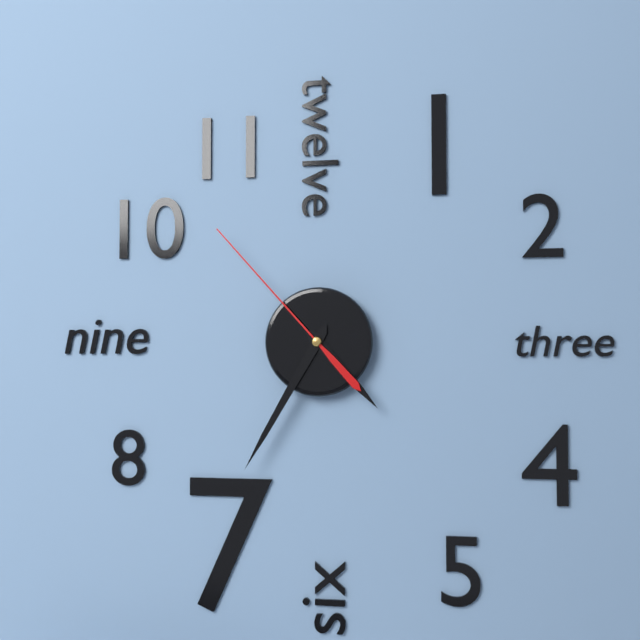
{"hour": 4, "minute": 35, "second": 53}
